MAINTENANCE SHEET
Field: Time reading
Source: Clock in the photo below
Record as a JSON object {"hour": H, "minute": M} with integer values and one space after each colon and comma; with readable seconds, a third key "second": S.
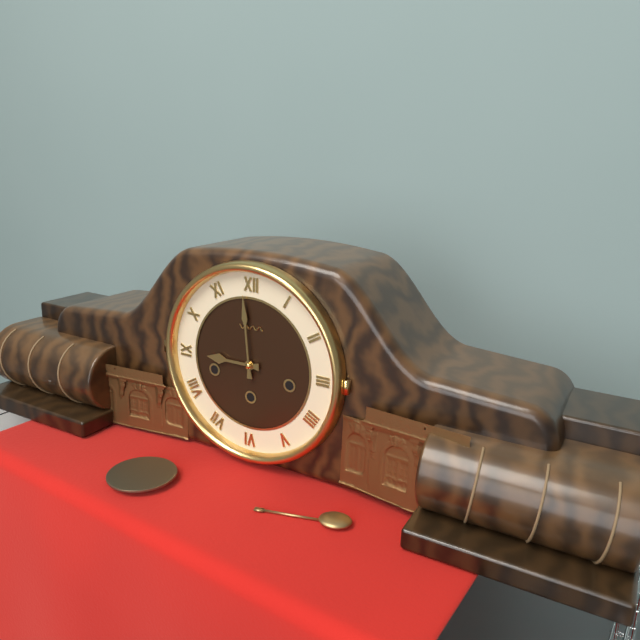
{"hour": 8, "minute": 59}
